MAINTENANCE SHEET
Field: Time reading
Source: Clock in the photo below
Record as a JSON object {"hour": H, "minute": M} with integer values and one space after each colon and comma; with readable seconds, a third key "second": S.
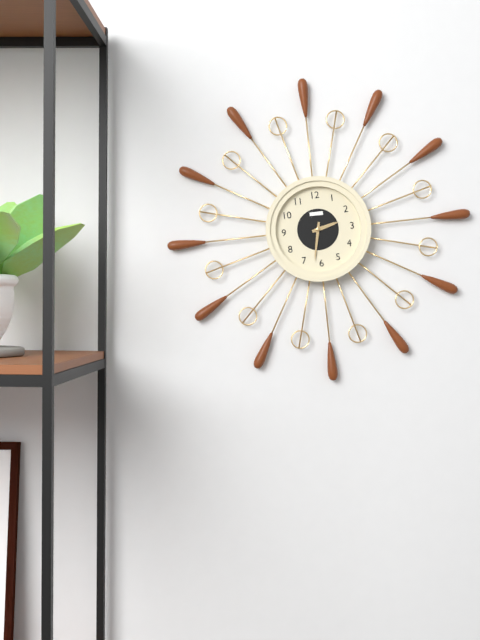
{"hour": 2, "minute": 32}
